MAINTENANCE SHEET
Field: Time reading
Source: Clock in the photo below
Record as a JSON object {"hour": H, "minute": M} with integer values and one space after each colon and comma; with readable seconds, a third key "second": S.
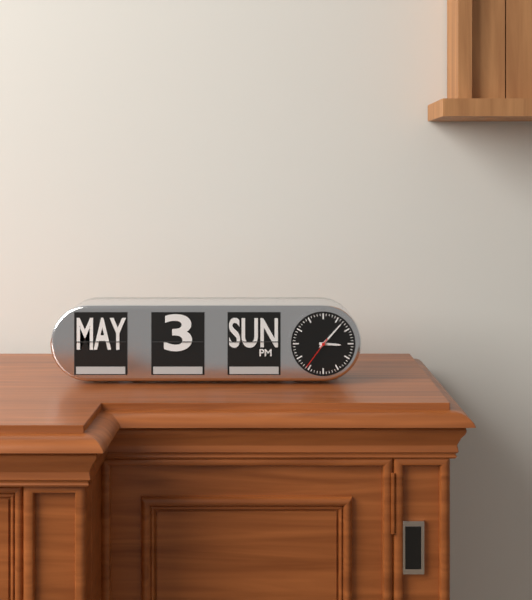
{"hour": 3, "minute": 7}
